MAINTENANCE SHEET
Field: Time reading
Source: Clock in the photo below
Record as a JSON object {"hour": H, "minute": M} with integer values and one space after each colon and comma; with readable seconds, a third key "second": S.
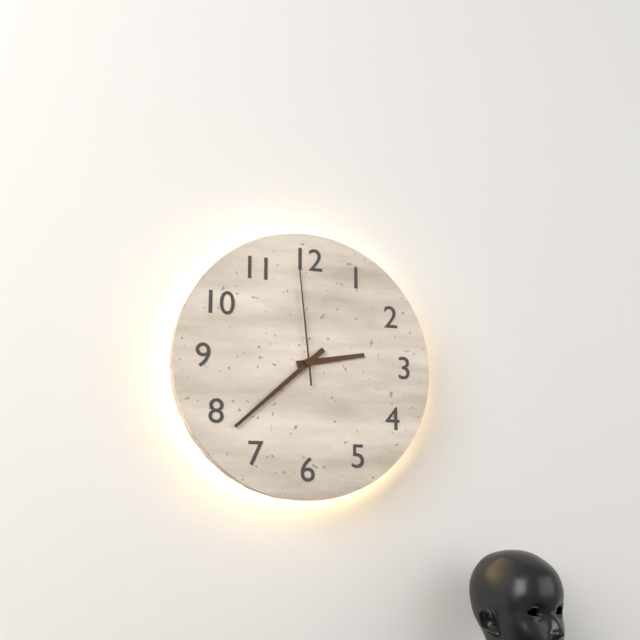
{"hour": 2, "minute": 38, "second": 59}
